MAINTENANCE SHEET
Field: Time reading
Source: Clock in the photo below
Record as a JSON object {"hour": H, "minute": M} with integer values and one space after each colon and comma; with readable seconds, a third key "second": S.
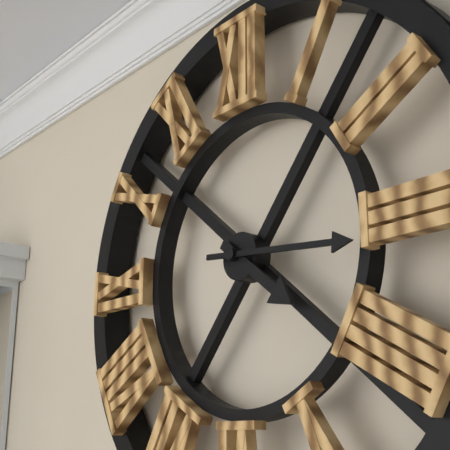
{"hour": 4, "minute": 16}
